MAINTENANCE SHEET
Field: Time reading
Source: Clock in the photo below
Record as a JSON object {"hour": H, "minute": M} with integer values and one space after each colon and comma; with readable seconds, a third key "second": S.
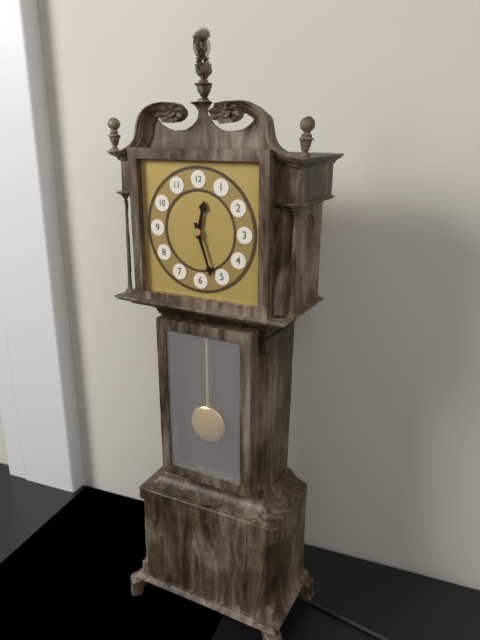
{"hour": 12, "minute": 27}
